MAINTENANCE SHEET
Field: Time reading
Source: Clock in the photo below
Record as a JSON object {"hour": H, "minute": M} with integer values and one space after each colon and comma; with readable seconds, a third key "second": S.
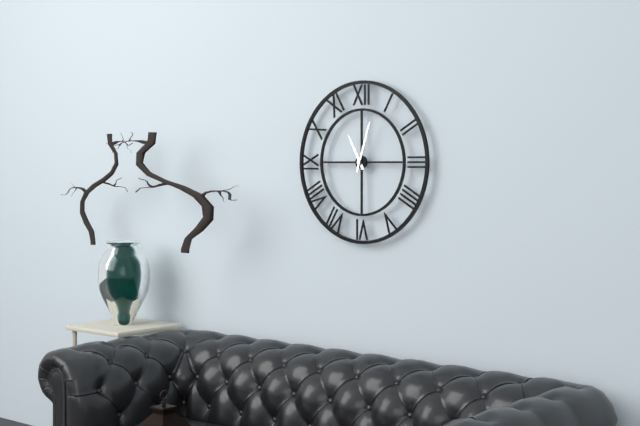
{"hour": 11, "minute": 3}
